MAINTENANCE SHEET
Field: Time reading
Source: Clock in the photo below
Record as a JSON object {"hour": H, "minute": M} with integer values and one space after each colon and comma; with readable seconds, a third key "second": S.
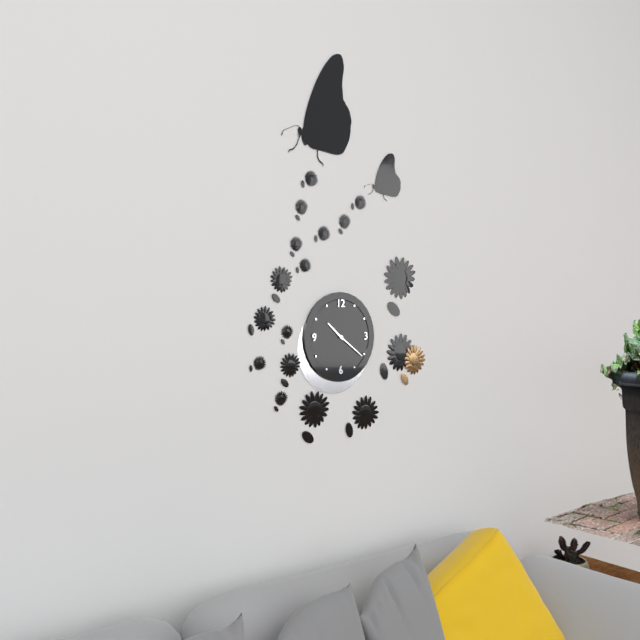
{"hour": 10, "minute": 21}
